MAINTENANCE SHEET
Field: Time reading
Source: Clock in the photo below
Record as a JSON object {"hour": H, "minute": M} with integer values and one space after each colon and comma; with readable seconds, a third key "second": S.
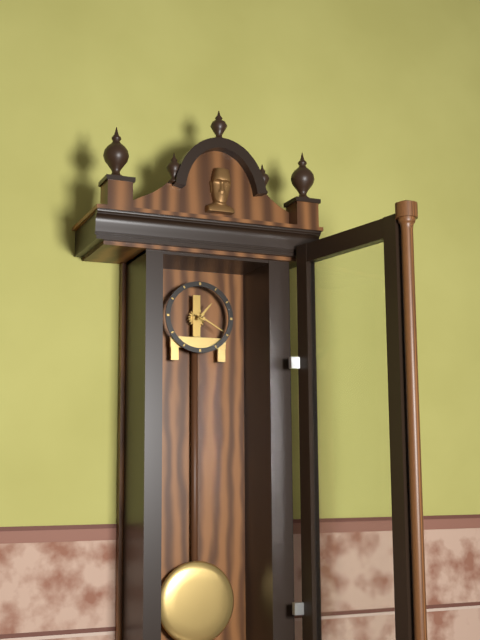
{"hour": 1, "minute": 20}
